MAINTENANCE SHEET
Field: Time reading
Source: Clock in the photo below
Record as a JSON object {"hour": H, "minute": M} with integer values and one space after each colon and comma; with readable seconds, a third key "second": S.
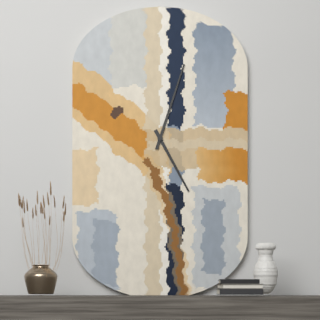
{"hour": 5, "minute": 3}
